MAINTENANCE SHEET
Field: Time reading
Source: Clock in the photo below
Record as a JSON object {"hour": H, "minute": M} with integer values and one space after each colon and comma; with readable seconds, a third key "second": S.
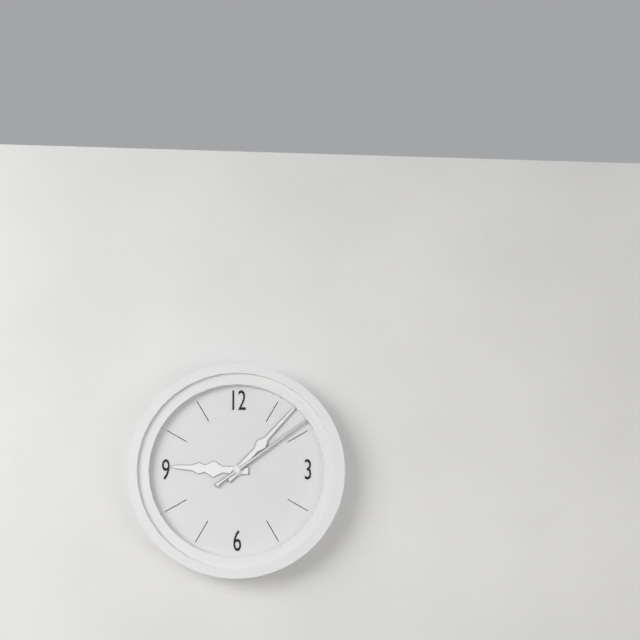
{"hour": 9, "minute": 7, "second": 9}
